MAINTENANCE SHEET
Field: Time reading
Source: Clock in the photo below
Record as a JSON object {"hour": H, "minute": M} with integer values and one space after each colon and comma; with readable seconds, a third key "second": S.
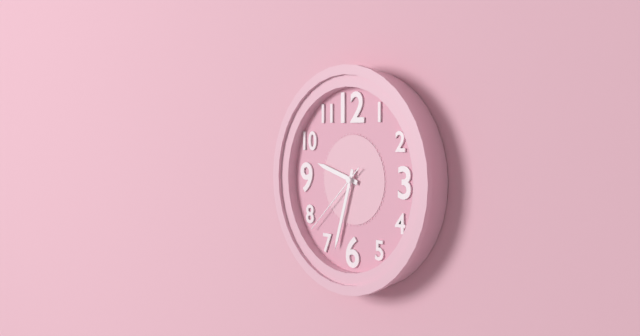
{"hour": 9, "minute": 33, "second": 38}
